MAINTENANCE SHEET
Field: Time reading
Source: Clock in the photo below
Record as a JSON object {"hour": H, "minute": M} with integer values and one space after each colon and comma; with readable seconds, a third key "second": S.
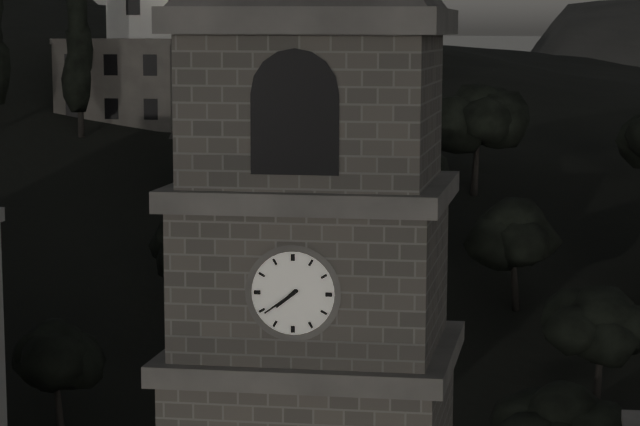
{"hour": 7, "minute": 39}
